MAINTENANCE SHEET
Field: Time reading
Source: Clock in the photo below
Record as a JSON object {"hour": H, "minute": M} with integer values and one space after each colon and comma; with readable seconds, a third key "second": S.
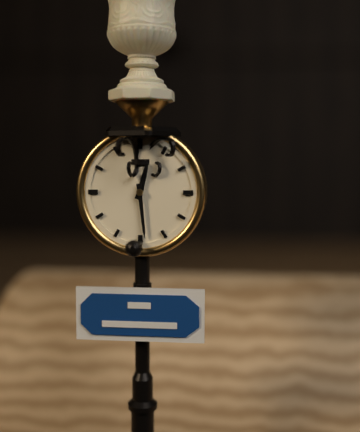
{"hour": 12, "minute": 29}
